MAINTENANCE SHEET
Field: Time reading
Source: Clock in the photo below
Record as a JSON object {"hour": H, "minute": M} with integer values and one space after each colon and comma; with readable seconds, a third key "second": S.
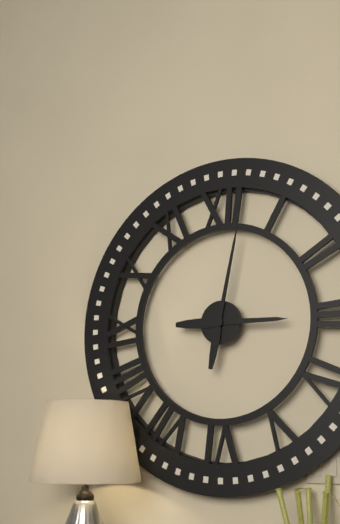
{"hour": 3, "minute": 2}
